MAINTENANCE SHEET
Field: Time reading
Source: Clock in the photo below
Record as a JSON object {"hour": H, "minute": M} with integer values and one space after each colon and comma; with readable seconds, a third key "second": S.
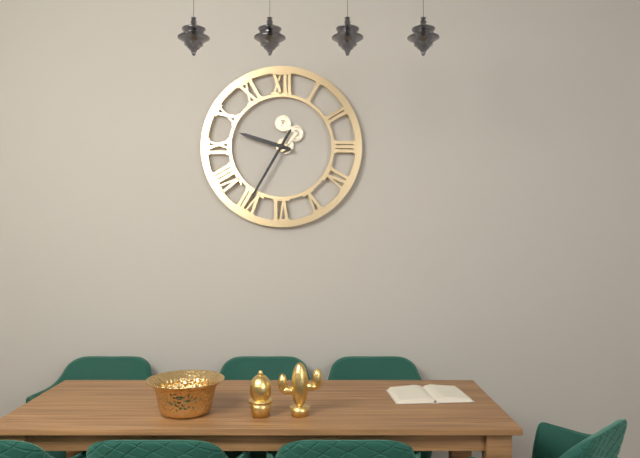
{"hour": 9, "minute": 35}
